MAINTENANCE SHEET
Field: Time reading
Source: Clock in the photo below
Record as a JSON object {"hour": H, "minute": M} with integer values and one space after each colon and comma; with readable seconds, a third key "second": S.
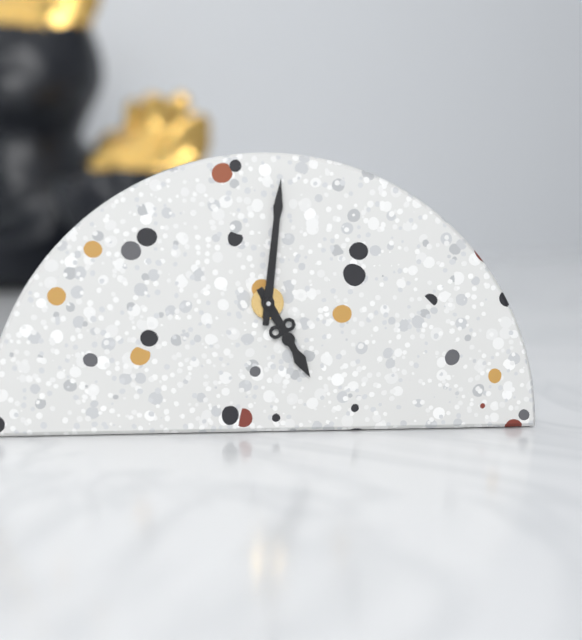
{"hour": 5, "minute": 1}
